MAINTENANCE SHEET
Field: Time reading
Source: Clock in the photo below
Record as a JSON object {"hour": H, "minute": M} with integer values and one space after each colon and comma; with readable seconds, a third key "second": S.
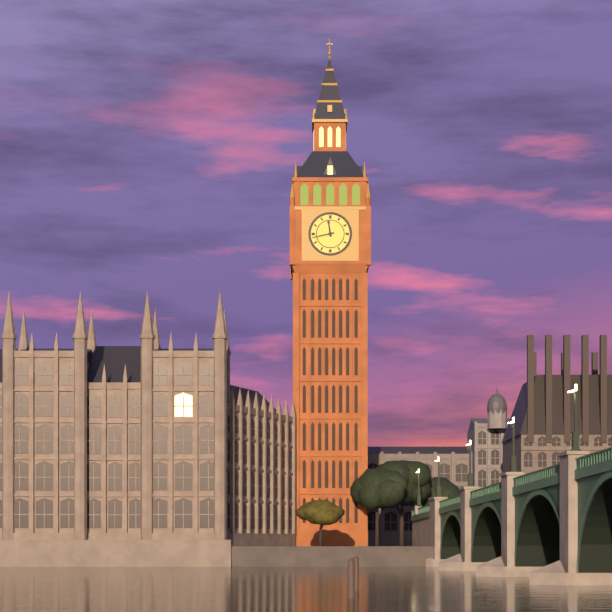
{"hour": 11, "minute": 43}
